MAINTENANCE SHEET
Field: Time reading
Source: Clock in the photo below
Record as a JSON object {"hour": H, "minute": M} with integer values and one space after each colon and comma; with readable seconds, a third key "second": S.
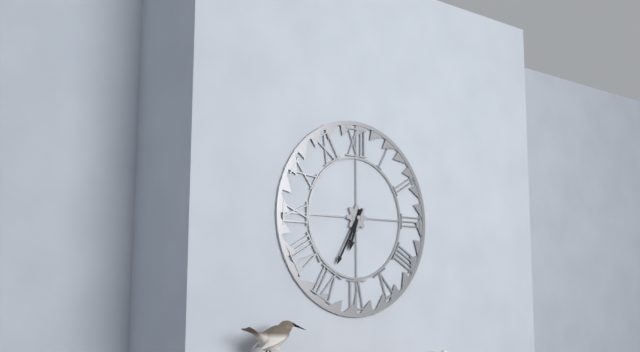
{"hour": 6, "minute": 35}
